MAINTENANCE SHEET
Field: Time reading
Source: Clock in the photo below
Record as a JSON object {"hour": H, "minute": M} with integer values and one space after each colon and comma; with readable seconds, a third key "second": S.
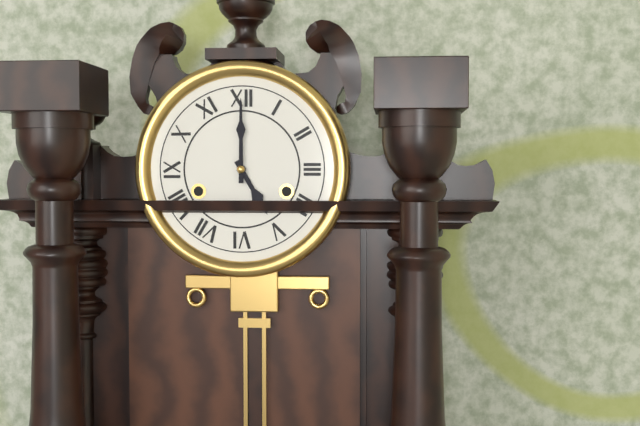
{"hour": 5, "minute": 0}
